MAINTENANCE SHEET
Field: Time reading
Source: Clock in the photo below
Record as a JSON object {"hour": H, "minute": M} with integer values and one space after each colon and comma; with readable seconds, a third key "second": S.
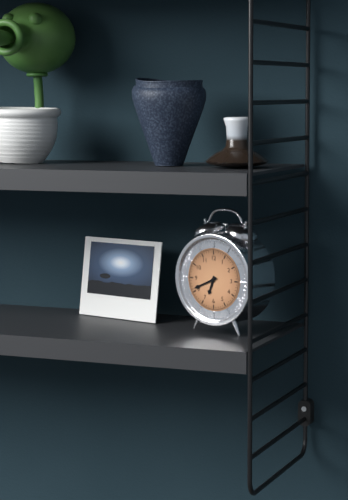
{"hour": 6, "minute": 41}
